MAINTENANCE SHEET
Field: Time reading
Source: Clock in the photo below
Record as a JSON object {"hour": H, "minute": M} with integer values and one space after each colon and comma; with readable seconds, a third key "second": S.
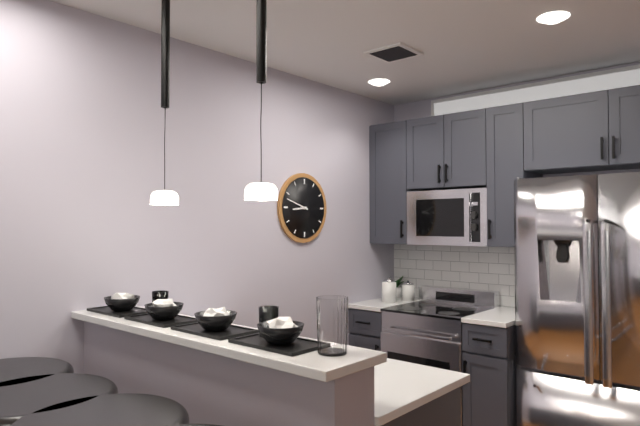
{"hour": 8, "minute": 48}
